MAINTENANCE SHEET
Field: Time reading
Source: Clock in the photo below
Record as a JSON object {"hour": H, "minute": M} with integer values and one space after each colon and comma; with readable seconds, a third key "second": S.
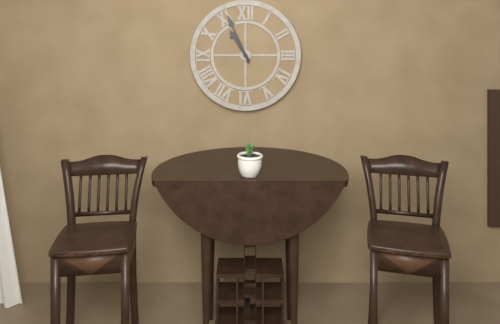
{"hour": 10, "minute": 56}
